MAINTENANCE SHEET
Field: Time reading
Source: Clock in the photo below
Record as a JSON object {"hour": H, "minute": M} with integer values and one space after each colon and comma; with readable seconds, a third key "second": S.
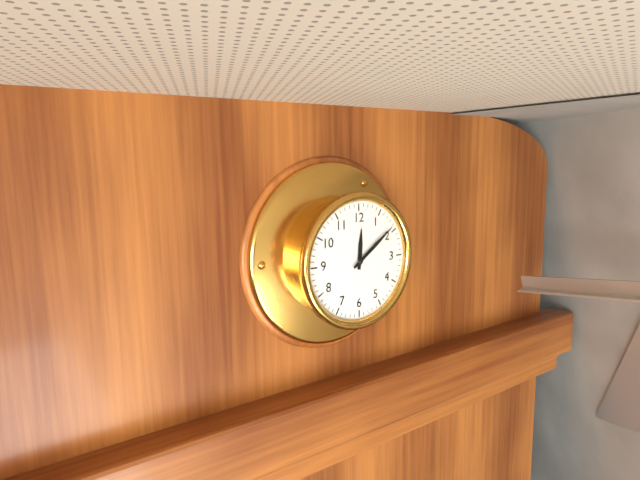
{"hour": 12, "minute": 9}
